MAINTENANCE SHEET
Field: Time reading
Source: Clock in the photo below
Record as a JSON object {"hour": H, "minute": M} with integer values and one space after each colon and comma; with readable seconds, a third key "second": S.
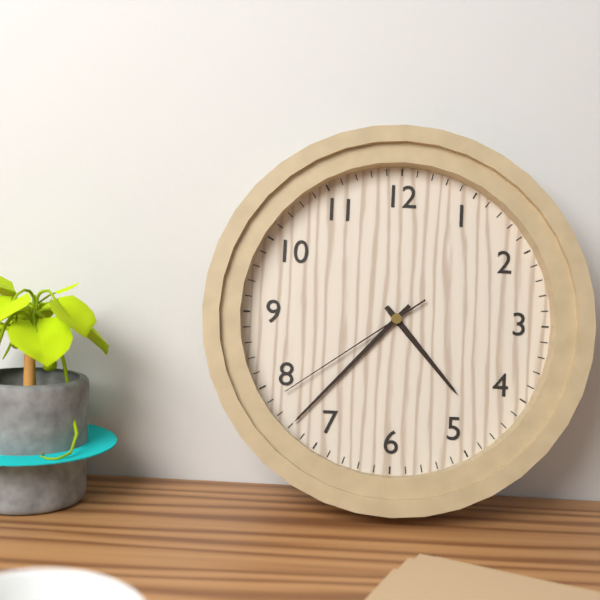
{"hour": 4, "minute": 37, "second": 39}
